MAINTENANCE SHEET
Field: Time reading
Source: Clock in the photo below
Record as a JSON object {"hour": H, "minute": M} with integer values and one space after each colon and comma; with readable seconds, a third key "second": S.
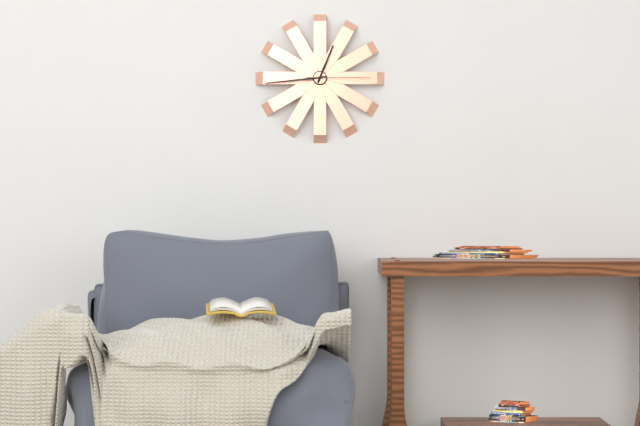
{"hour": 12, "minute": 44, "second": 15}
